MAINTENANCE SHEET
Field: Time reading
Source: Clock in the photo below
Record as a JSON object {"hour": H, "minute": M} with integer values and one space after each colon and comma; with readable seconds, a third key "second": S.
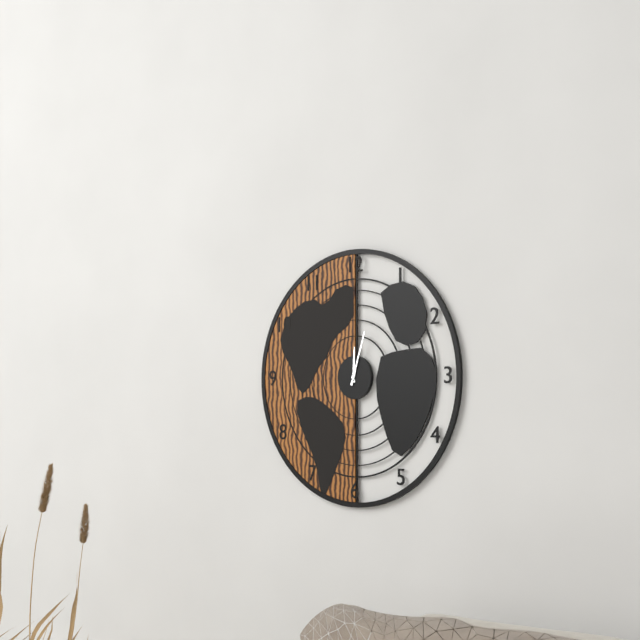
{"hour": 12, "minute": 3}
